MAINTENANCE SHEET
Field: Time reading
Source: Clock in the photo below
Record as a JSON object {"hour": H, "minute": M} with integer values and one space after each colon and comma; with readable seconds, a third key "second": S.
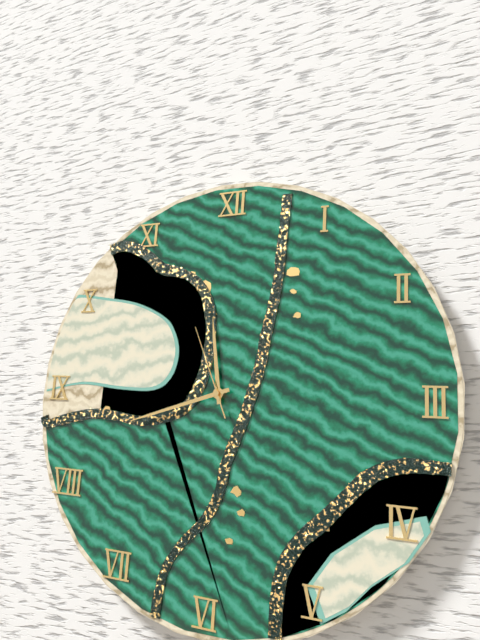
{"hour": 11, "minute": 42, "second": 56}
